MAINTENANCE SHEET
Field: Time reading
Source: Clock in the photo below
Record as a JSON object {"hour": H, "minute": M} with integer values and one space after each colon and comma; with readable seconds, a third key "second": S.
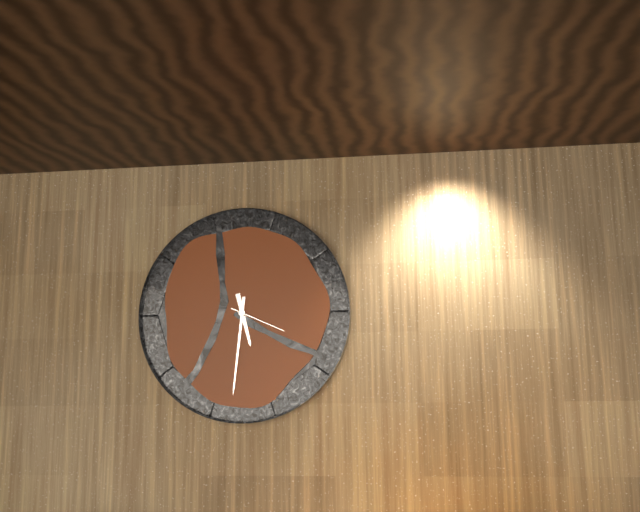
{"hour": 5, "minute": 31, "second": 19}
